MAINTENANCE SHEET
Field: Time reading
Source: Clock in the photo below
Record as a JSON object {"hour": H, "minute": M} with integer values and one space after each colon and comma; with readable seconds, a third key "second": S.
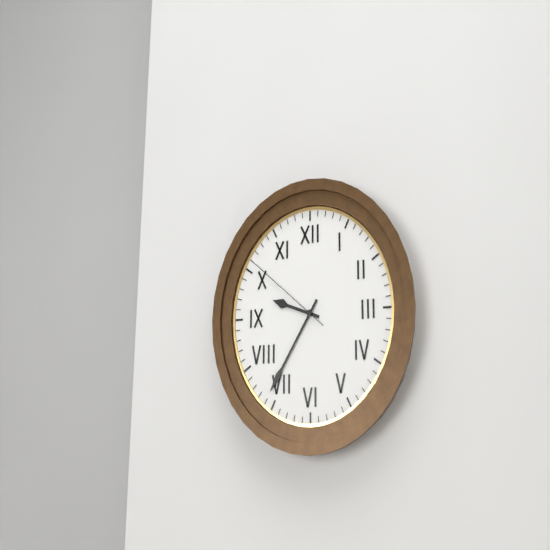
{"hour": 9, "minute": 36, "second": 51}
